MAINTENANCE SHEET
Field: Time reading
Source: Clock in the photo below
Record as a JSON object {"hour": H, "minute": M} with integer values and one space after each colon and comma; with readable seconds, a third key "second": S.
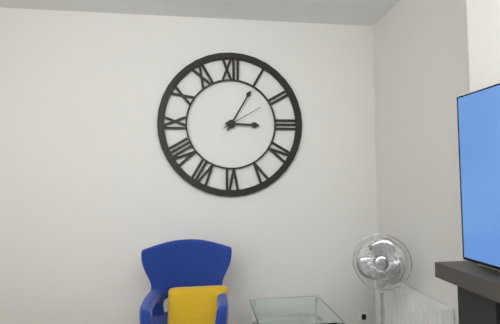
{"hour": 3, "minute": 5}
